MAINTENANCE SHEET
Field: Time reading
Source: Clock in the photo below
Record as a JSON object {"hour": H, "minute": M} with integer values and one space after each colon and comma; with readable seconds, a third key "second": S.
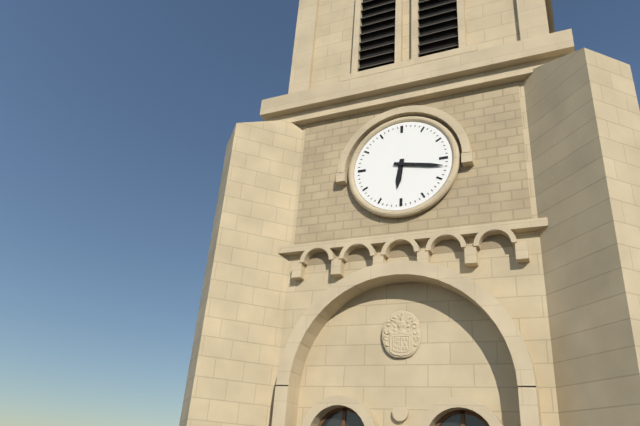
{"hour": 6, "minute": 17}
